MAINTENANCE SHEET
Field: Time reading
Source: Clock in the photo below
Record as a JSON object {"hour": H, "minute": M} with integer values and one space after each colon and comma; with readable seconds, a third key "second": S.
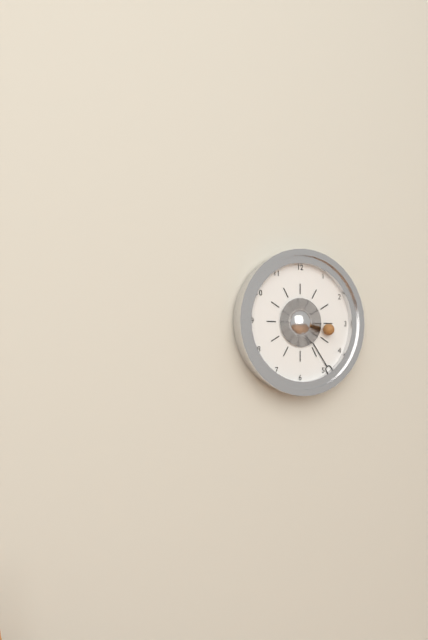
{"hour": 3, "minute": 24}
